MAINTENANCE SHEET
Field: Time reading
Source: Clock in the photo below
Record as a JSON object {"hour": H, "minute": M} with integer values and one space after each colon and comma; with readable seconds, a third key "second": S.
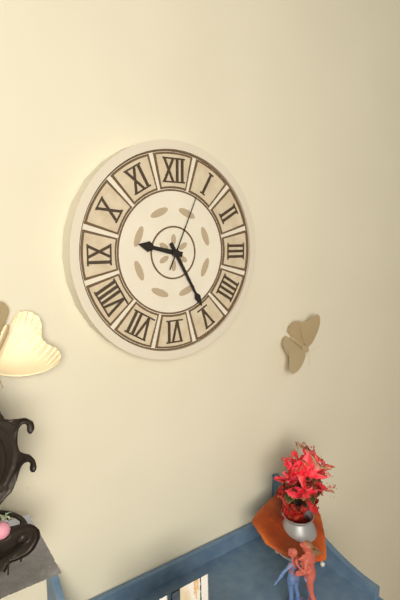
{"hour": 9, "minute": 25, "second": 4}
